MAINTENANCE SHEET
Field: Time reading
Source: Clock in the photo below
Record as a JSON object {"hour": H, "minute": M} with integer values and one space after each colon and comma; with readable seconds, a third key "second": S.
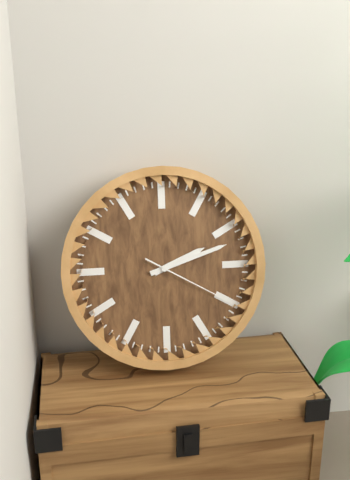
{"hour": 2, "minute": 12, "second": 20}
